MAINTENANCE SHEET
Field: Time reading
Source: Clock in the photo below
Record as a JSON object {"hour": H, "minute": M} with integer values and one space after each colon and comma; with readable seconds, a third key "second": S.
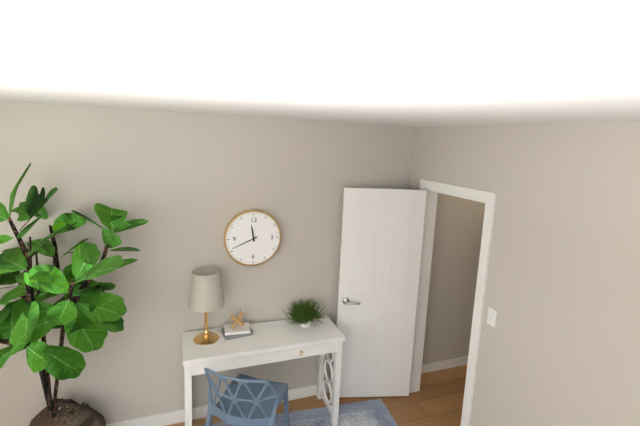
{"hour": 11, "minute": 41}
